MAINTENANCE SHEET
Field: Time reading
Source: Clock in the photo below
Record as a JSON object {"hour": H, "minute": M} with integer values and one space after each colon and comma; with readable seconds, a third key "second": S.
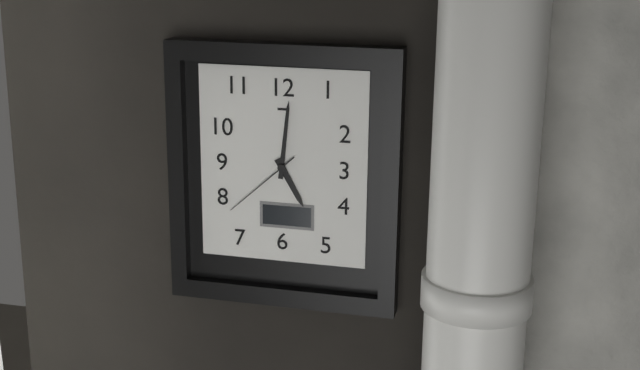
{"hour": 5, "minute": 1, "second": 38}
